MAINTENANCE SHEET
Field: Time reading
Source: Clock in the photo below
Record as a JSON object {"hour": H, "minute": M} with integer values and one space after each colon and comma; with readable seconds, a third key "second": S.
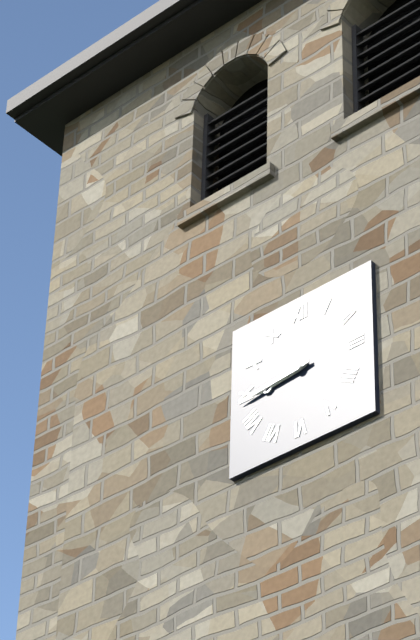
{"hour": 8, "minute": 44}
